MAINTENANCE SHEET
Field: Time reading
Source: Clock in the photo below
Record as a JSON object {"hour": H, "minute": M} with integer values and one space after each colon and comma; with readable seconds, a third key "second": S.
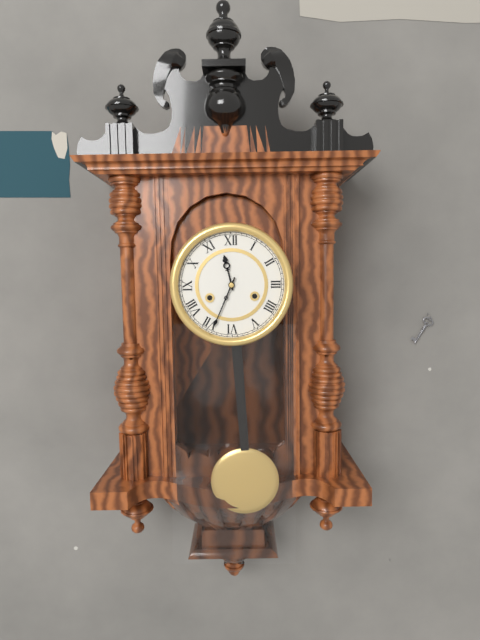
{"hour": 11, "minute": 34}
